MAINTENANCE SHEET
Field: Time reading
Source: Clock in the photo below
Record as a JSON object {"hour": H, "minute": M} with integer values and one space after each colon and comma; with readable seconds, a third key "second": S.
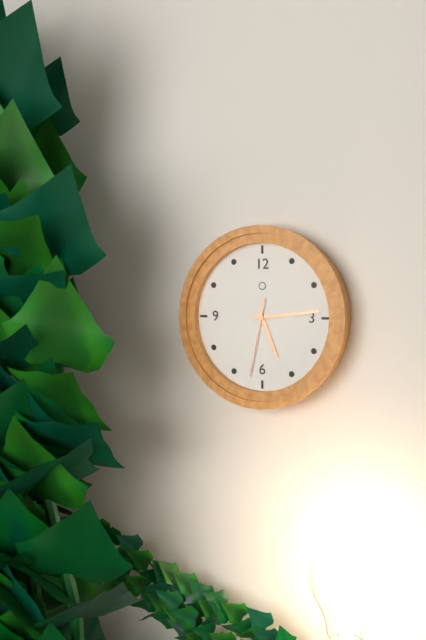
{"hour": 5, "minute": 14, "second": 32}
